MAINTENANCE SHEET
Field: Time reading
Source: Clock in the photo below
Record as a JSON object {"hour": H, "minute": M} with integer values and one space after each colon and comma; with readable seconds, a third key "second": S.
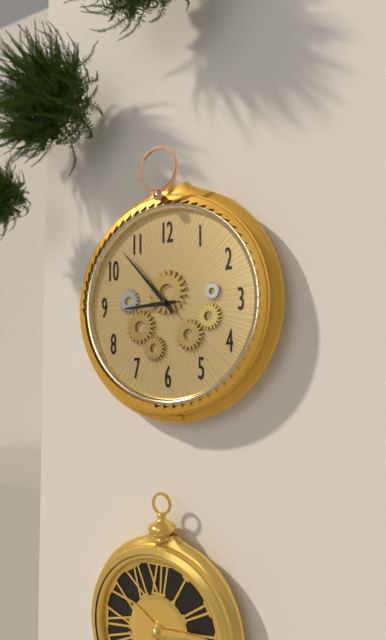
{"hour": 8, "minute": 53}
